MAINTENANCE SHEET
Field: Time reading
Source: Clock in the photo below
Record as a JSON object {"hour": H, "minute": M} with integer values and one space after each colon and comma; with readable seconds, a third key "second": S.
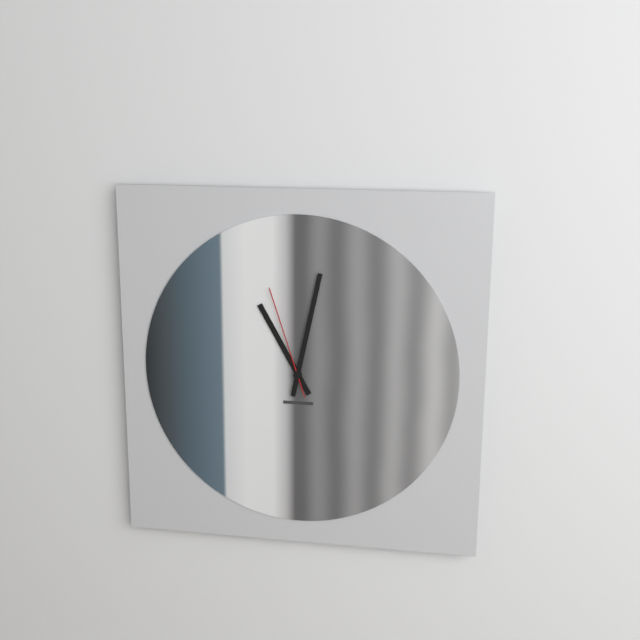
{"hour": 11, "minute": 2, "second": 57}
